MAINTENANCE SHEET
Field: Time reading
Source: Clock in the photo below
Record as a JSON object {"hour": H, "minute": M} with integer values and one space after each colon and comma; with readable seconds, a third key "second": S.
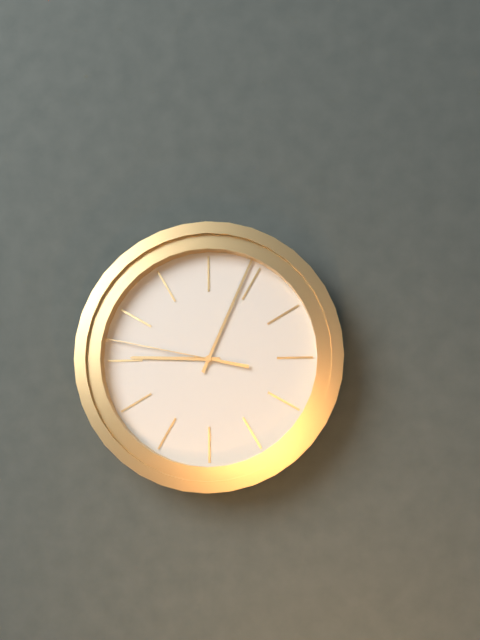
{"hour": 9, "minute": 4, "second": 47}
